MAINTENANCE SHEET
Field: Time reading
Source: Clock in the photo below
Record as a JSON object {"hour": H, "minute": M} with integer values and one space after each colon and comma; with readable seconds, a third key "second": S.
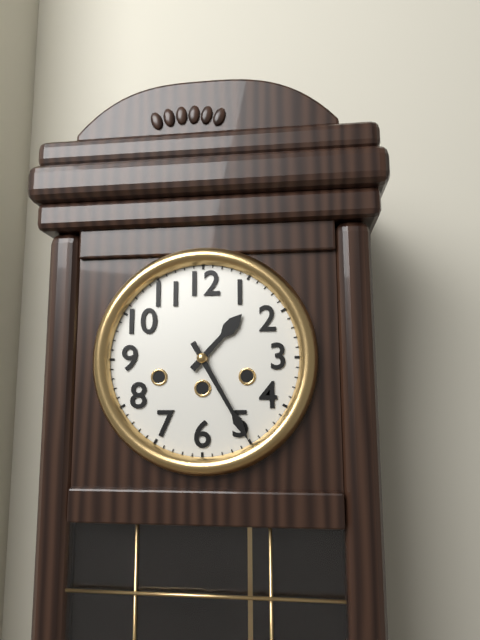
{"hour": 1, "minute": 25}
